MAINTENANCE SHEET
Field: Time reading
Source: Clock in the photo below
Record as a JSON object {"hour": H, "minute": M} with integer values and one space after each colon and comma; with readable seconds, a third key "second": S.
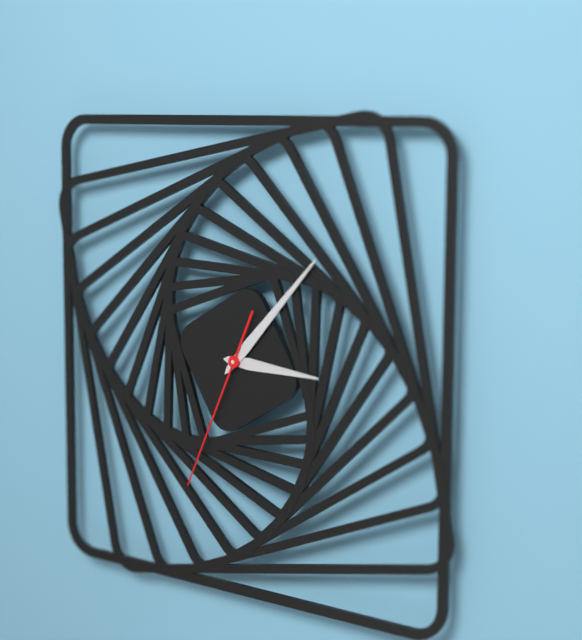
{"hour": 3, "minute": 7, "second": 34}
